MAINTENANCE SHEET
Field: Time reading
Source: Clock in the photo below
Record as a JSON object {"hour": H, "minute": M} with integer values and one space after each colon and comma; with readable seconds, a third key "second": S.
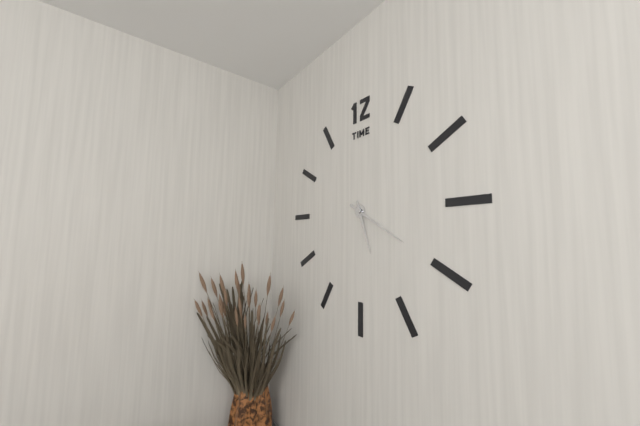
{"hour": 5, "minute": 20}
